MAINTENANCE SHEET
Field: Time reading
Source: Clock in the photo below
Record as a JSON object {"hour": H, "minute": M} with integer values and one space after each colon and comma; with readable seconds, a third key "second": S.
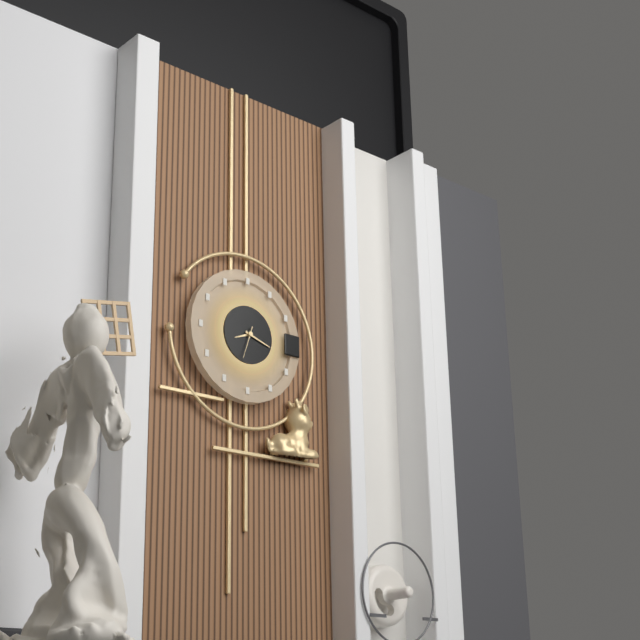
{"hour": 8, "minute": 18}
